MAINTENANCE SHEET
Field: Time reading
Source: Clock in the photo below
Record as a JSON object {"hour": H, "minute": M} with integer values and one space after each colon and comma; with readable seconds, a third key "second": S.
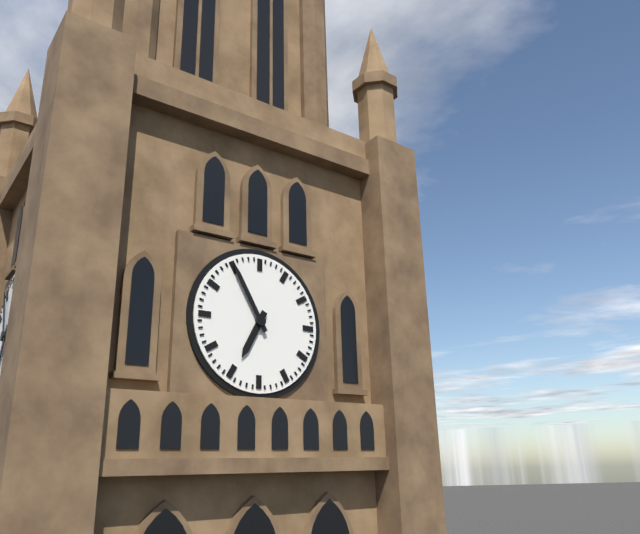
{"hour": 6, "minute": 55}
